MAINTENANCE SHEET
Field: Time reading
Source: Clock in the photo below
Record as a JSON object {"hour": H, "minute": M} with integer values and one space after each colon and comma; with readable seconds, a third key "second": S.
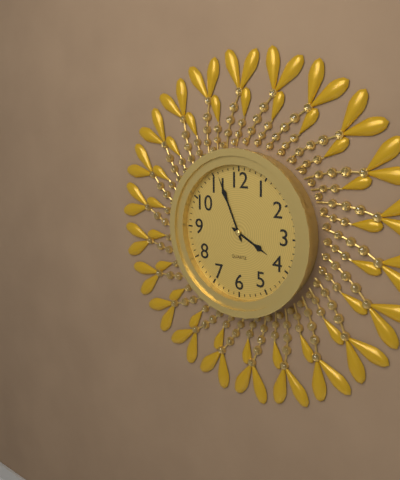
{"hour": 3, "minute": 56}
